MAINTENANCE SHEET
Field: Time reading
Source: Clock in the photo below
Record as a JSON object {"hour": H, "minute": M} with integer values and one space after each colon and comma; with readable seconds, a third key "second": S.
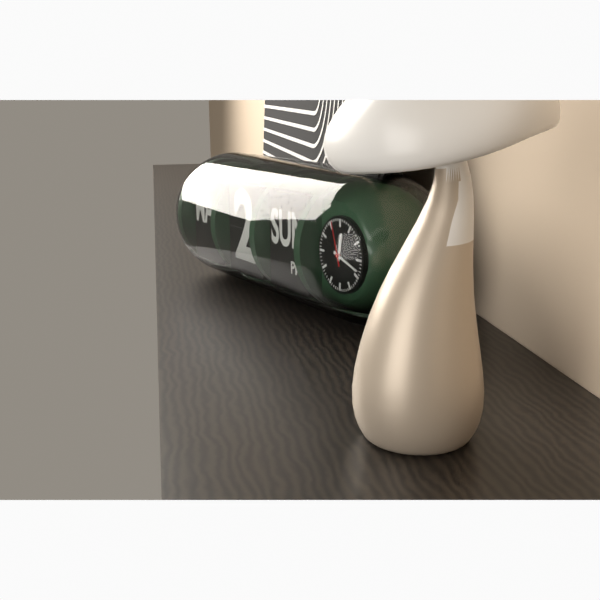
{"hour": 12, "minute": 18}
